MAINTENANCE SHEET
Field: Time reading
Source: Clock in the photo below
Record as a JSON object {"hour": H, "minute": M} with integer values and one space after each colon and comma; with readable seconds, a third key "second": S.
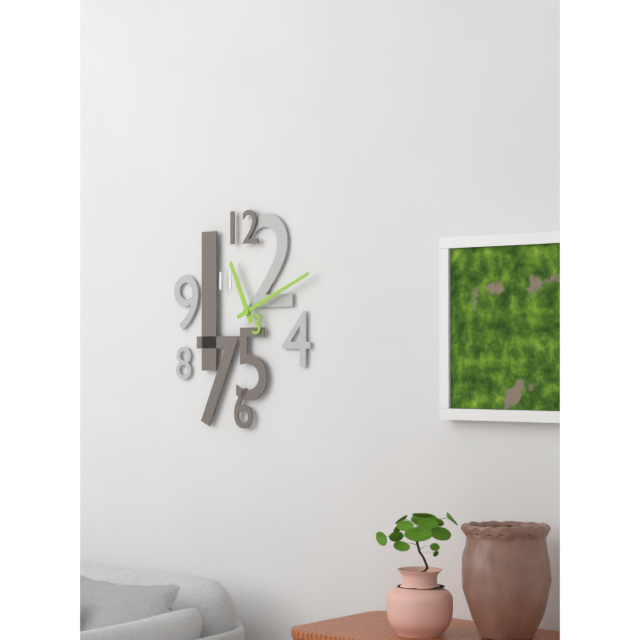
{"hour": 11, "minute": 11}
